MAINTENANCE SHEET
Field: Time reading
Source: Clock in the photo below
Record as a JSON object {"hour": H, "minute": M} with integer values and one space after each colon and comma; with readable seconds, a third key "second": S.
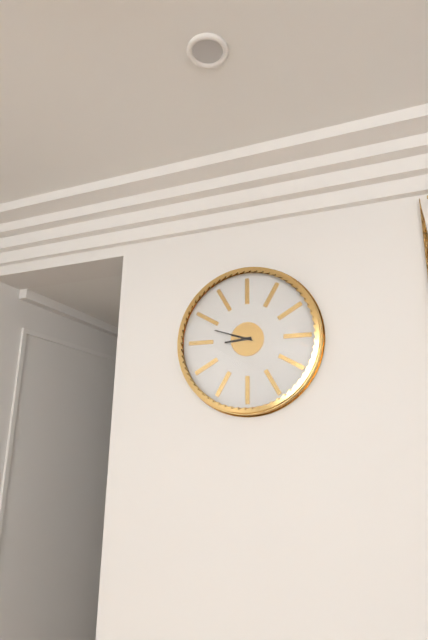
{"hour": 8, "minute": 48}
